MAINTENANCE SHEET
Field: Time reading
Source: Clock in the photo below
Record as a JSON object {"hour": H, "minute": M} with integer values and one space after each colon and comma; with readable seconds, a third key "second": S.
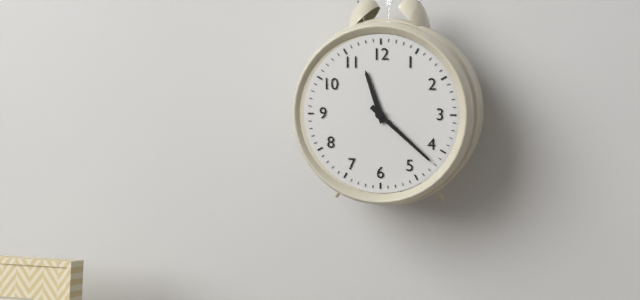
{"hour": 11, "minute": 22}
